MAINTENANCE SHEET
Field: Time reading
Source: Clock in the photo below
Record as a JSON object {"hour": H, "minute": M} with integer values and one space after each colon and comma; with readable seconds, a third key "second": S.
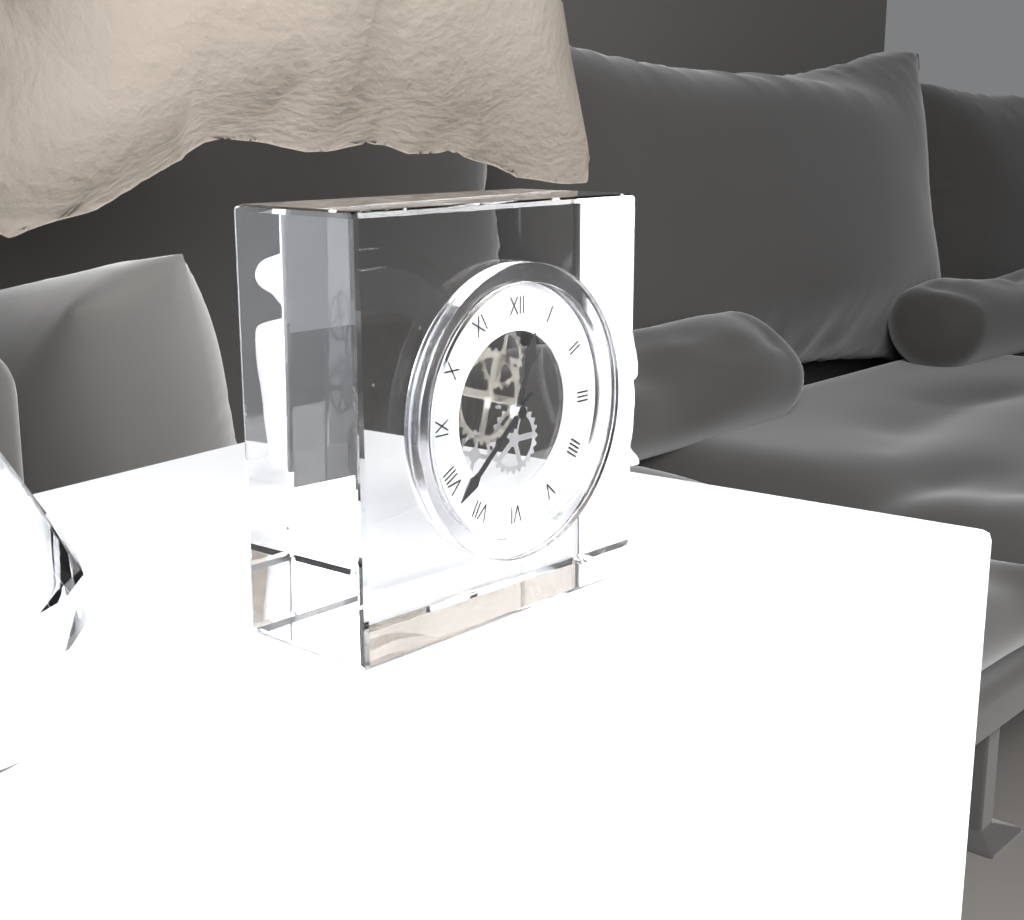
{"hour": 12, "minute": 38}
